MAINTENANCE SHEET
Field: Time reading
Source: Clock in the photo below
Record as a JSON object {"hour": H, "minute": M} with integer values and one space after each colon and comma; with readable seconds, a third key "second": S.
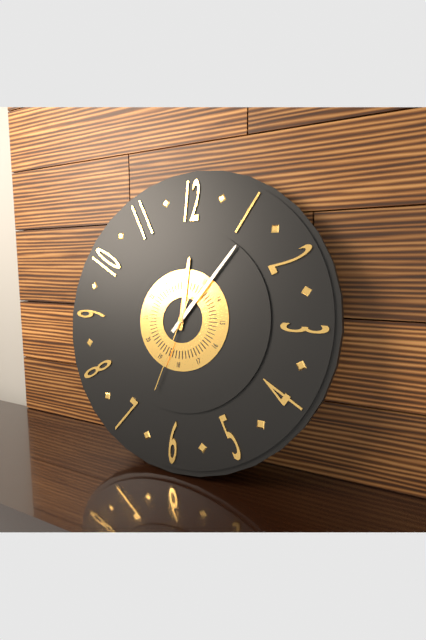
{"hour": 12, "minute": 6, "second": 33}
